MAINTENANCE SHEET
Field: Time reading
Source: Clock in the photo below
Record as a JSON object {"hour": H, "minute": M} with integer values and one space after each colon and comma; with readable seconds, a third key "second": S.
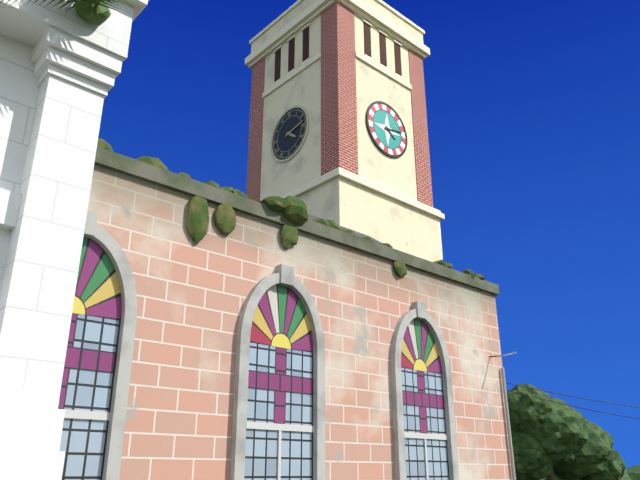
{"hour": 4, "minute": 13}
